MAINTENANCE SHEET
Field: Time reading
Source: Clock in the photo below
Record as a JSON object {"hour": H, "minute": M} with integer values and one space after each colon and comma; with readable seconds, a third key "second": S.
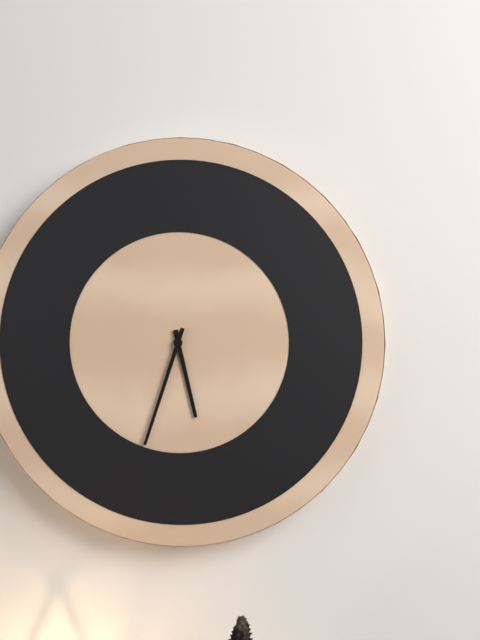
{"hour": 5, "minute": 33}
